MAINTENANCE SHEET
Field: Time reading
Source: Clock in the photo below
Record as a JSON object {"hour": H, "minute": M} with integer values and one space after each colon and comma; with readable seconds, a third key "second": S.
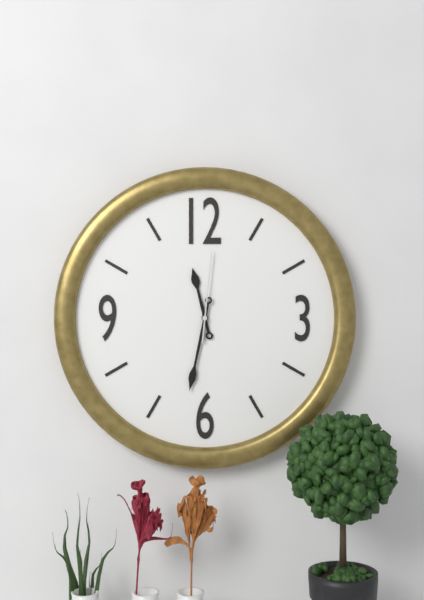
{"hour": 11, "minute": 32, "second": 1}
